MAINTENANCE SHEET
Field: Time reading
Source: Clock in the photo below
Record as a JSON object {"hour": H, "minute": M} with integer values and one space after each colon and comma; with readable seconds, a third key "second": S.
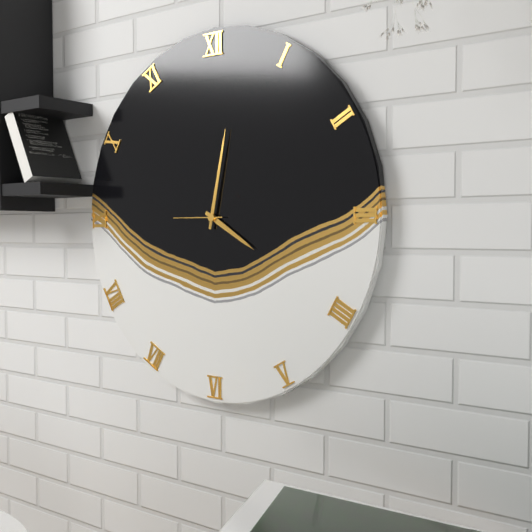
{"hour": 4, "minute": 2, "second": 45}
